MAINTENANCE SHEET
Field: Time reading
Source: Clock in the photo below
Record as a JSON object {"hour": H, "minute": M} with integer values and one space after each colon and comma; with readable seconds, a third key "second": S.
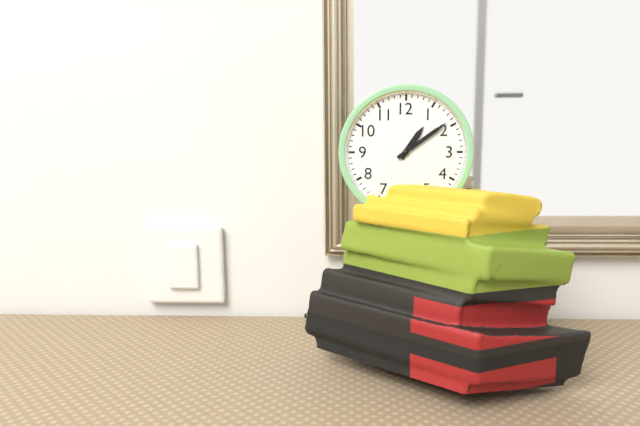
{"hour": 1, "minute": 9}
